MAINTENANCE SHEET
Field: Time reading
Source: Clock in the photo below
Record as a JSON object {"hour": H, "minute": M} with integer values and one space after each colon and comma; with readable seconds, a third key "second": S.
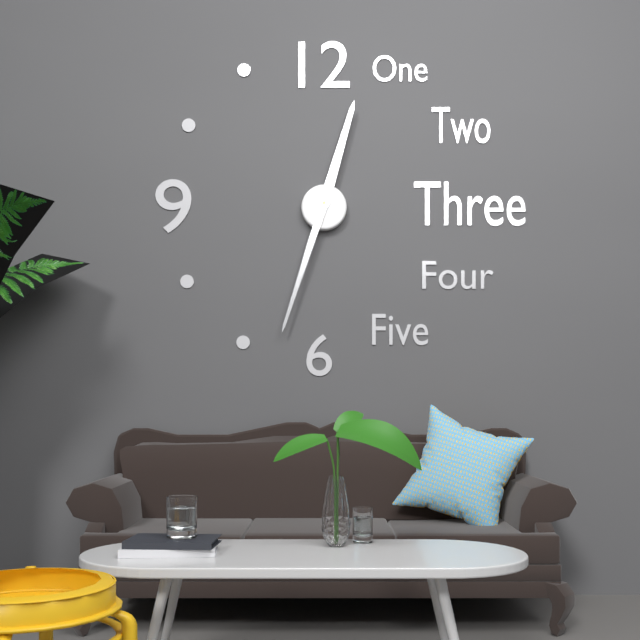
{"hour": 12, "minute": 33}
